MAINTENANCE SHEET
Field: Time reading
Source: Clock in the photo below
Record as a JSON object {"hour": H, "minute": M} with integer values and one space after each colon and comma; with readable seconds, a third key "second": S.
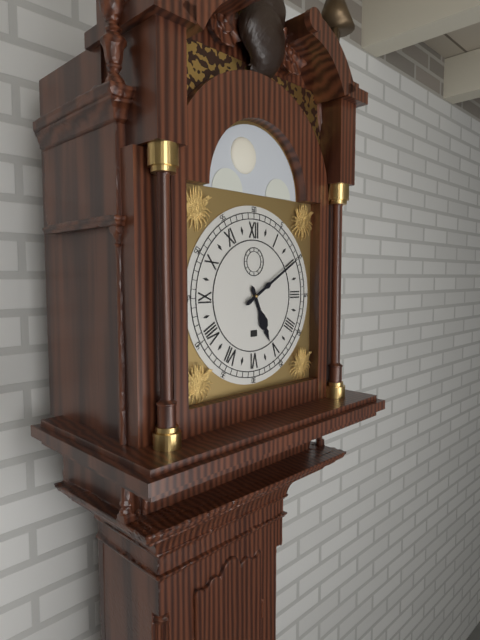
{"hour": 5, "minute": 10}
